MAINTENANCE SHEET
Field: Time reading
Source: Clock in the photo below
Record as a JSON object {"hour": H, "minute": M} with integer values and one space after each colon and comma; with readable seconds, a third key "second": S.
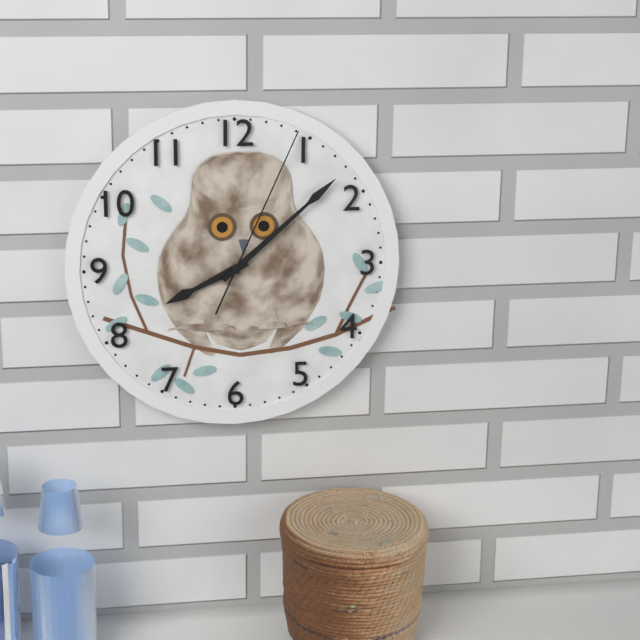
{"hour": 8, "minute": 8, "second": 4}
